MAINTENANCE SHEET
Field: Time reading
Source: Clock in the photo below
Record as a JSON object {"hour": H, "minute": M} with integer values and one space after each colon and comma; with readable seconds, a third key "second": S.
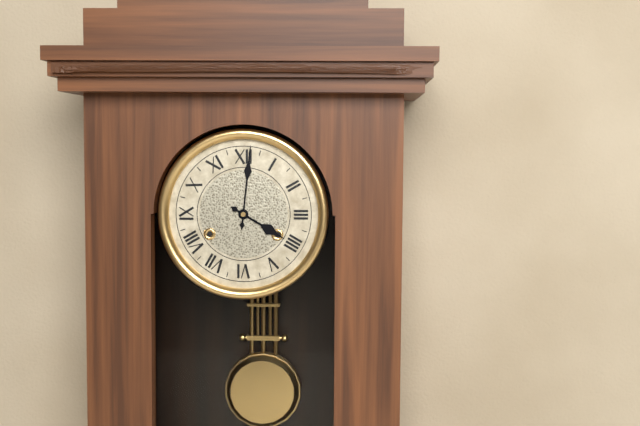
{"hour": 4, "minute": 1}
